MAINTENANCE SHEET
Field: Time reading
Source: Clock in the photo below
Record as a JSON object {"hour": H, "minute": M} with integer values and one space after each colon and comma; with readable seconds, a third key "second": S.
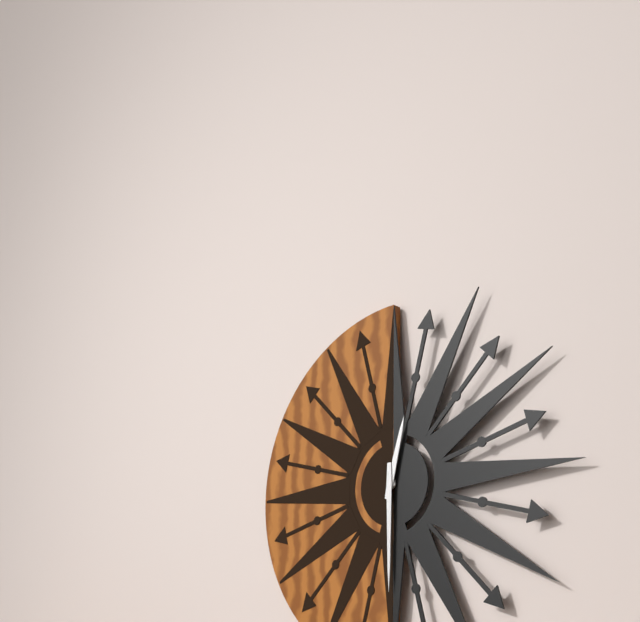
{"hour": 12, "minute": 30}
